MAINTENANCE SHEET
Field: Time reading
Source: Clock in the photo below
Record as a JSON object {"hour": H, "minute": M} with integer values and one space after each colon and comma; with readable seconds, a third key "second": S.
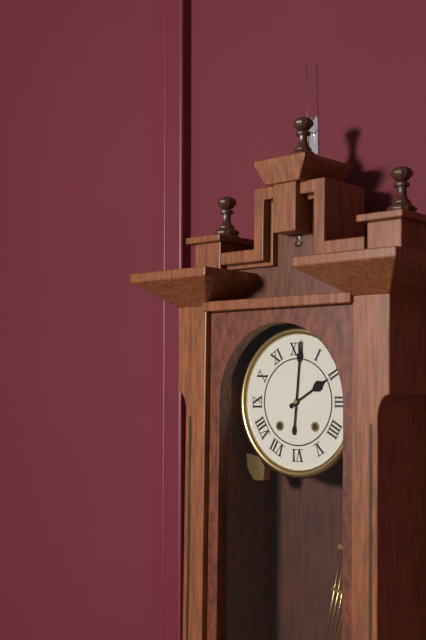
{"hour": 2, "minute": 1}
